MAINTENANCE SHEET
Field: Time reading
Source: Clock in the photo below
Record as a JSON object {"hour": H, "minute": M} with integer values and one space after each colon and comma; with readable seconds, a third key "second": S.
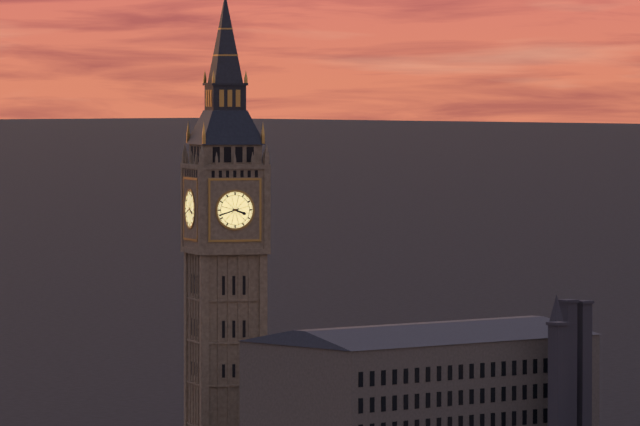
{"hour": 3, "minute": 42}
